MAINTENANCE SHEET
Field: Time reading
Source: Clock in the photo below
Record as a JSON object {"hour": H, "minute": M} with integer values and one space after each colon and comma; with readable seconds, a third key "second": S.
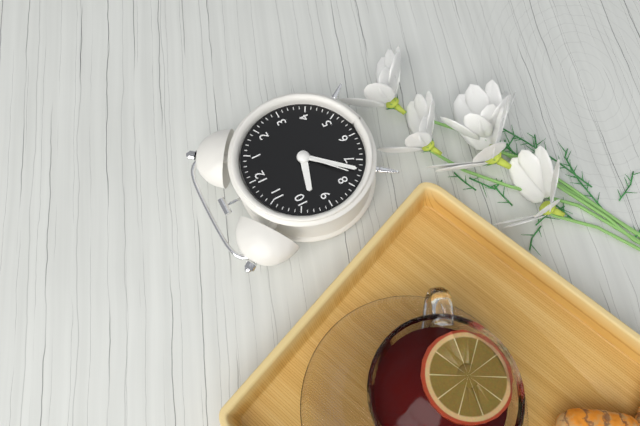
{"hour": 9, "minute": 37, "second": 38}
